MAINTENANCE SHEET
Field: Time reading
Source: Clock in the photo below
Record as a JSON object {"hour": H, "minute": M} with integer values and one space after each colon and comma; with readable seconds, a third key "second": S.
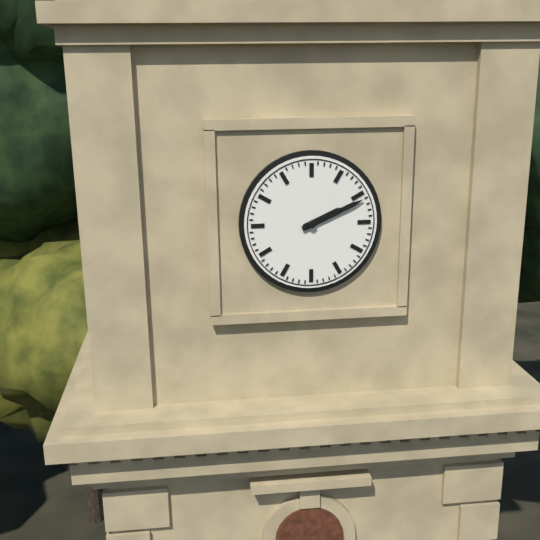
{"hour": 2, "minute": 11}
